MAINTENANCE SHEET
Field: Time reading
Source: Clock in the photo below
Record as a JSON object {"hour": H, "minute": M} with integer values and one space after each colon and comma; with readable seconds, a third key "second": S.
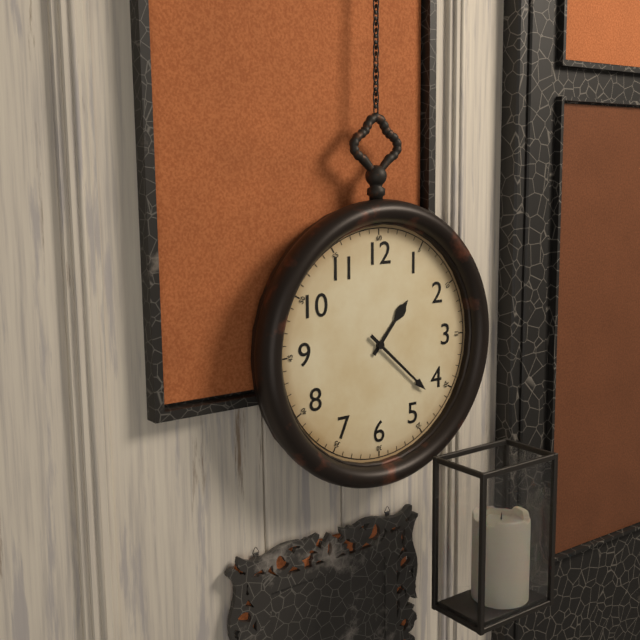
{"hour": 1, "minute": 22}
